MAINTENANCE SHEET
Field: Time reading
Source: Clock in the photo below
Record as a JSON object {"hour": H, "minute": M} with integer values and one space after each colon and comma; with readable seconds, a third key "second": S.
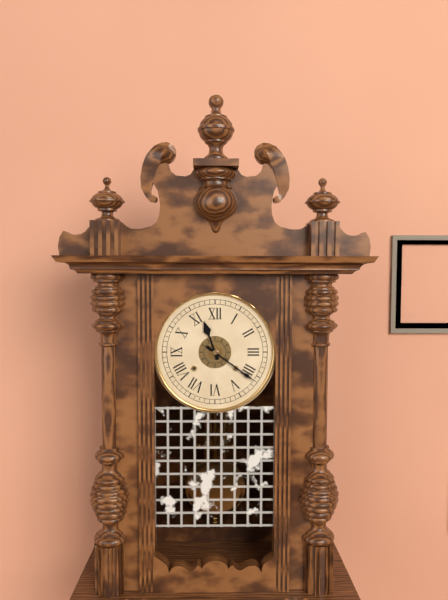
{"hour": 11, "minute": 21}
